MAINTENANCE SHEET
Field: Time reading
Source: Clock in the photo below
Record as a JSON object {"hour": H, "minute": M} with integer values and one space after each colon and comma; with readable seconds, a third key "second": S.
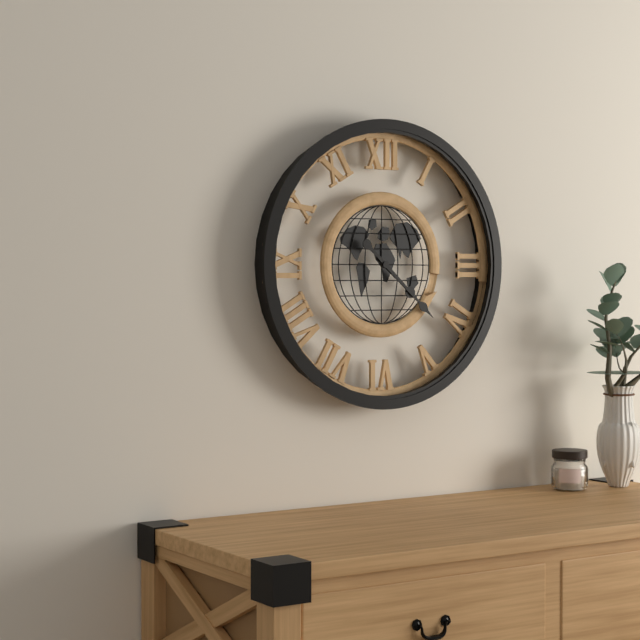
{"hour": 4, "minute": 22}
